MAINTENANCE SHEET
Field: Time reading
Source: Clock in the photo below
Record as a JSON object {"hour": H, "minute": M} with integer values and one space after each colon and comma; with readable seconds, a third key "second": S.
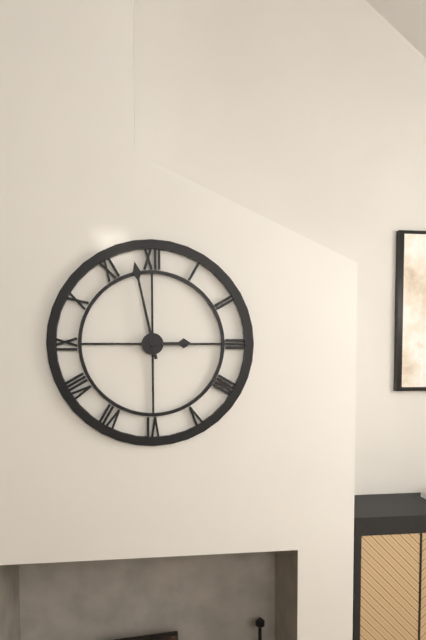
{"hour": 2, "minute": 58}
